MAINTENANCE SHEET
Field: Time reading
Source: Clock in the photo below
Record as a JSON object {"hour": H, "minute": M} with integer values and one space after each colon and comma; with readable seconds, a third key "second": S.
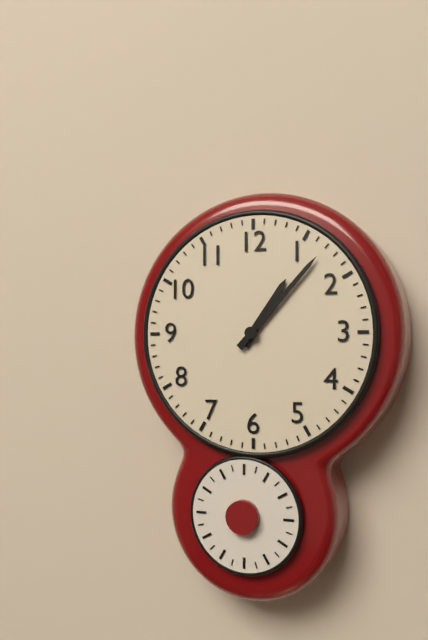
{"hour": 1, "minute": 7}
